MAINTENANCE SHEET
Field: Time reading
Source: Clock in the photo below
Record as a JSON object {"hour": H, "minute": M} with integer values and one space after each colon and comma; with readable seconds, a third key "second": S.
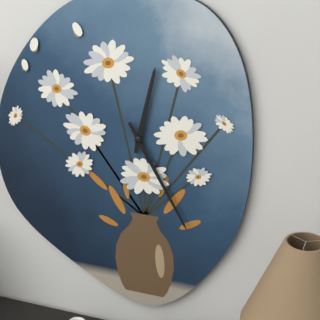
{"hour": 12, "minute": 25}
